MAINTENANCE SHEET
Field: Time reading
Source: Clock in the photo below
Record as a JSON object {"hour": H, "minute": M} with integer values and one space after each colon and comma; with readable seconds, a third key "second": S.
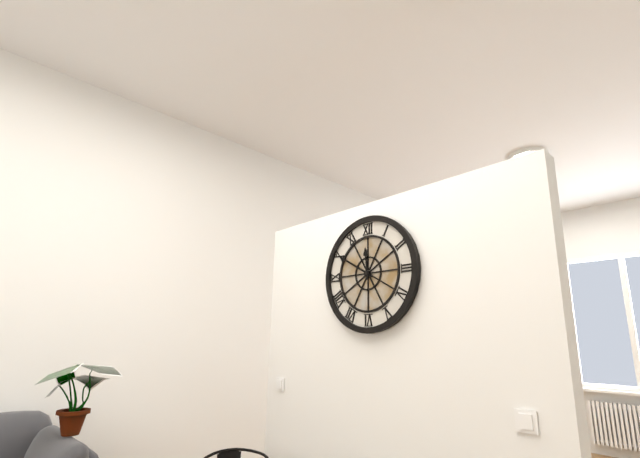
{"hour": 11, "minute": 50}
